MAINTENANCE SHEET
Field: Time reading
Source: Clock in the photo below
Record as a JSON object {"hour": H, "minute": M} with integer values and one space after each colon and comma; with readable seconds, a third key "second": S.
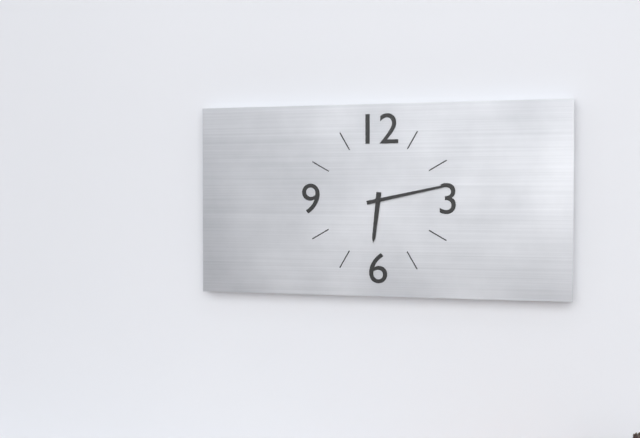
{"hour": 6, "minute": 13}
